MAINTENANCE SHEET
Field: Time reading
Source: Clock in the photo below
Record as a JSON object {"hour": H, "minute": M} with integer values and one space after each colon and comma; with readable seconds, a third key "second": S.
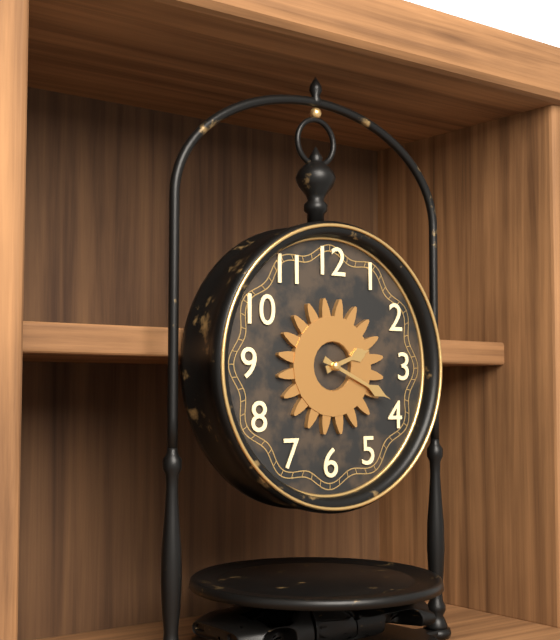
{"hour": 2, "minute": 19}
